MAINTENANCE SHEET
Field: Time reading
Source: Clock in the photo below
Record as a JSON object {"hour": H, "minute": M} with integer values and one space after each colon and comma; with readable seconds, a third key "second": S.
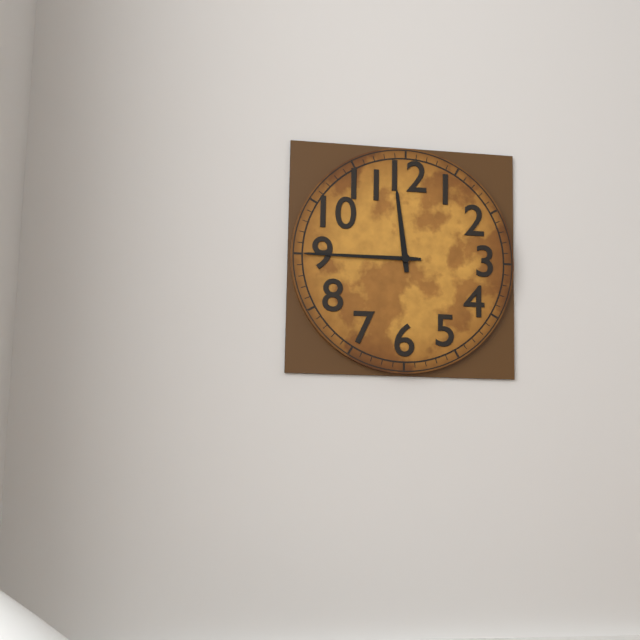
{"hour": 11, "minute": 45}
